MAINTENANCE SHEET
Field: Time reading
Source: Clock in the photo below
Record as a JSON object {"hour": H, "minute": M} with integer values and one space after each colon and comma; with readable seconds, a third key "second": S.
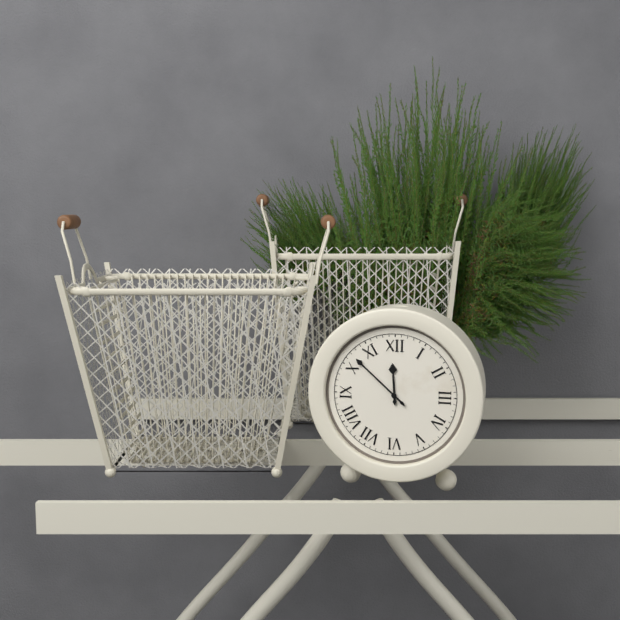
{"hour": 11, "minute": 52}
